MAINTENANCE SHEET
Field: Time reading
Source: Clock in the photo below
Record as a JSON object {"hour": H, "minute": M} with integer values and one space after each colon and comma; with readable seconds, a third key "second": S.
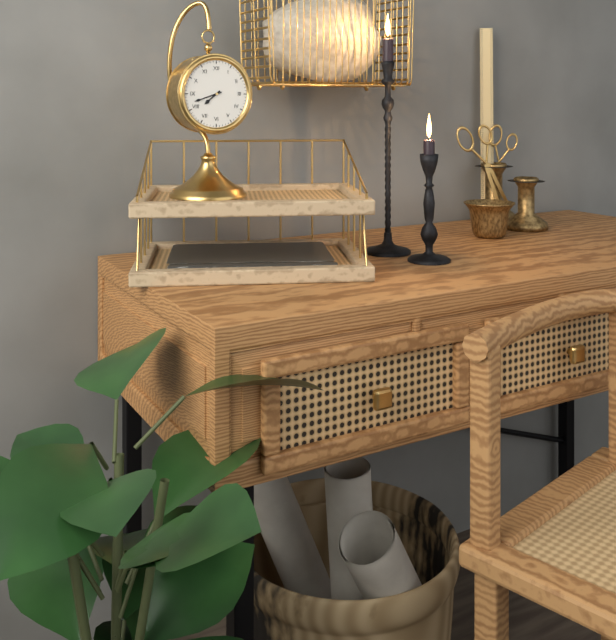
{"hour": 7, "minute": 42}
